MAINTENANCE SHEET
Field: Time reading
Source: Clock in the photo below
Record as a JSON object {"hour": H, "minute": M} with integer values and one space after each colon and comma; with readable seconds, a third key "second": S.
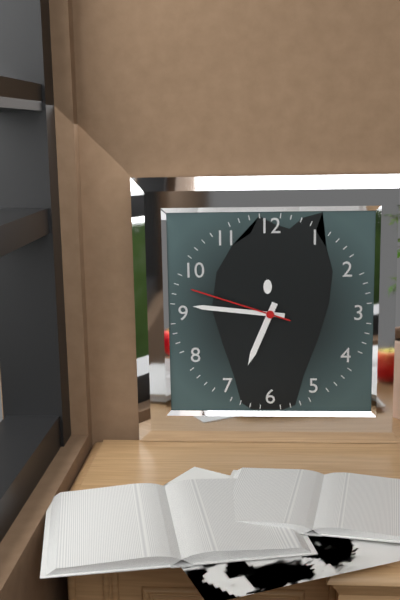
{"hour": 6, "minute": 46, "second": 48}
